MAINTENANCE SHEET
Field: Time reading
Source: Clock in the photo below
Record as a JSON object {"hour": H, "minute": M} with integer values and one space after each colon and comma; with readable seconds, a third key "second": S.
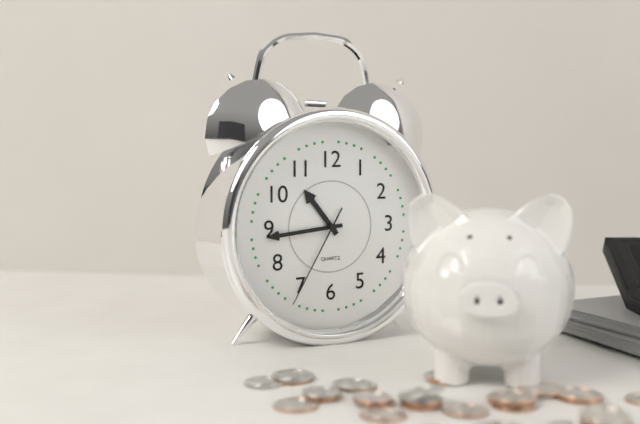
{"hour": 10, "minute": 44, "second": 35}
